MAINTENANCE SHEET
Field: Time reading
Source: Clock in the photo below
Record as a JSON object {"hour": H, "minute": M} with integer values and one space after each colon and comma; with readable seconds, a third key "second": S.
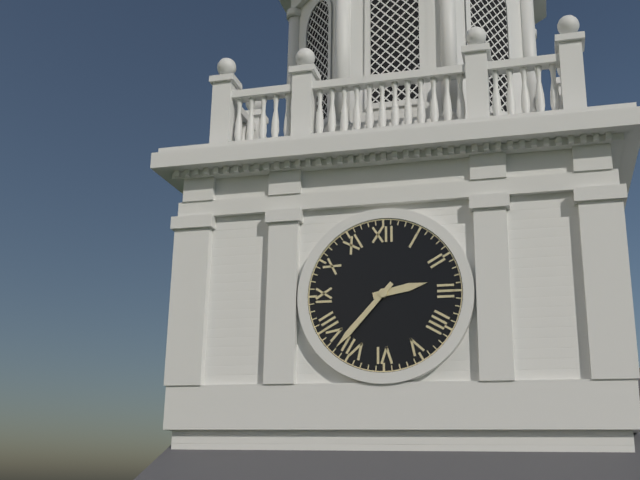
{"hour": 2, "minute": 37}
